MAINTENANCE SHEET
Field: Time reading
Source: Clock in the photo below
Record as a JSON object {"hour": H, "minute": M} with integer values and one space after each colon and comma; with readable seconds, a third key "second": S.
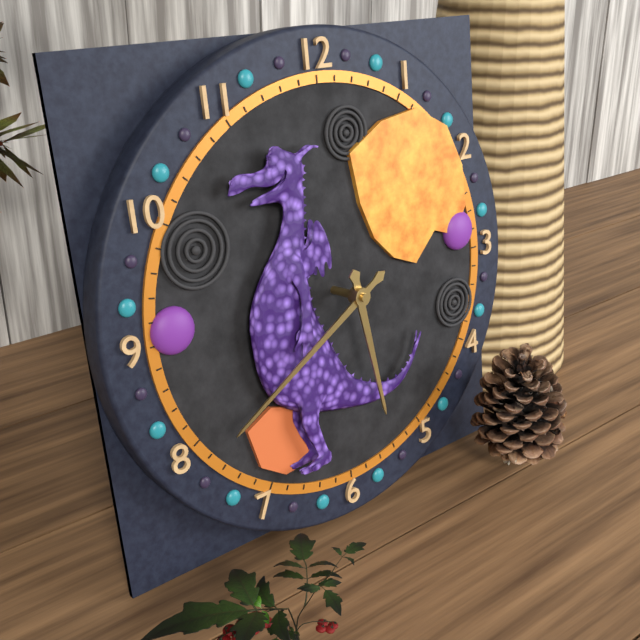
{"hour": 5, "minute": 40}
